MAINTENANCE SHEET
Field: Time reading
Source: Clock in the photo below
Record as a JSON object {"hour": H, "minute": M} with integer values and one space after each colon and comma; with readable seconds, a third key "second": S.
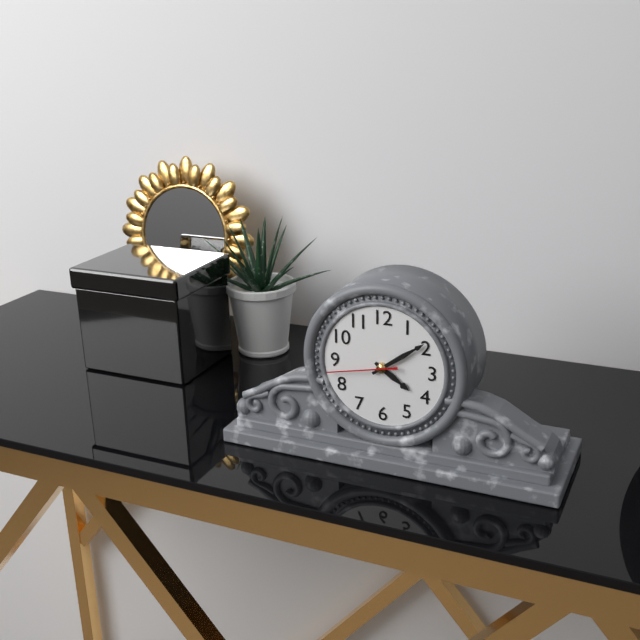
{"hour": 4, "minute": 9, "second": 43}
